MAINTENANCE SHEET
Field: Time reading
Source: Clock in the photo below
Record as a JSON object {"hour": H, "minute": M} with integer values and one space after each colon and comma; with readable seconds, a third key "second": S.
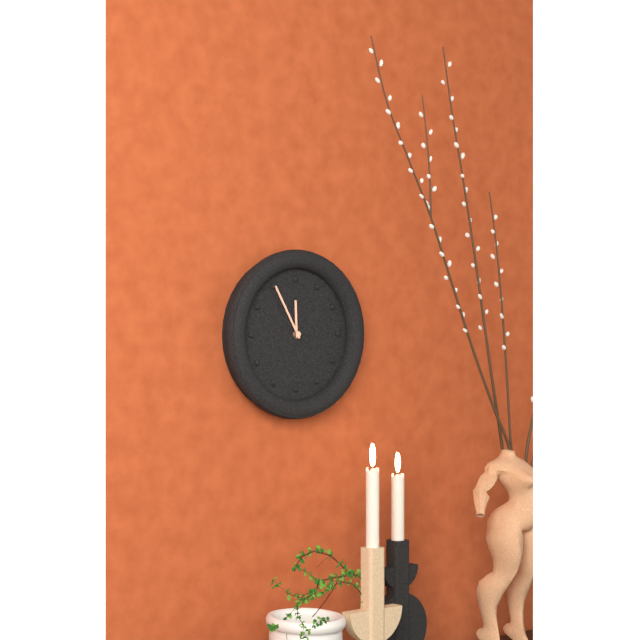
{"hour": 11, "minute": 55}
